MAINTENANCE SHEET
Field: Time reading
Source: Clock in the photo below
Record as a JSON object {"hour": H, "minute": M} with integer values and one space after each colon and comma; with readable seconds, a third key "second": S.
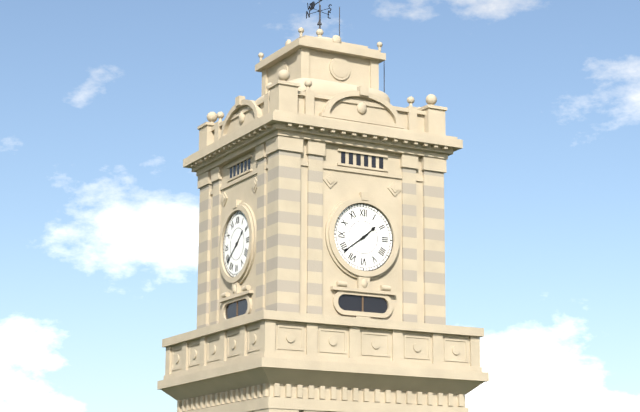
{"hour": 1, "minute": 39}
